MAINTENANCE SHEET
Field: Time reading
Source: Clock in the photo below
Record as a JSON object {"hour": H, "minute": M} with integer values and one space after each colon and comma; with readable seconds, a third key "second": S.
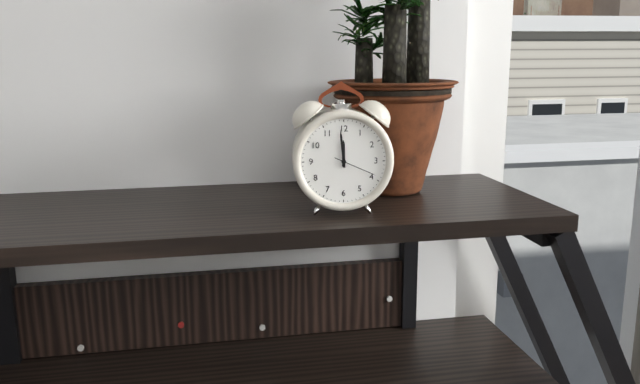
{"hour": 11, "minute": 59}
